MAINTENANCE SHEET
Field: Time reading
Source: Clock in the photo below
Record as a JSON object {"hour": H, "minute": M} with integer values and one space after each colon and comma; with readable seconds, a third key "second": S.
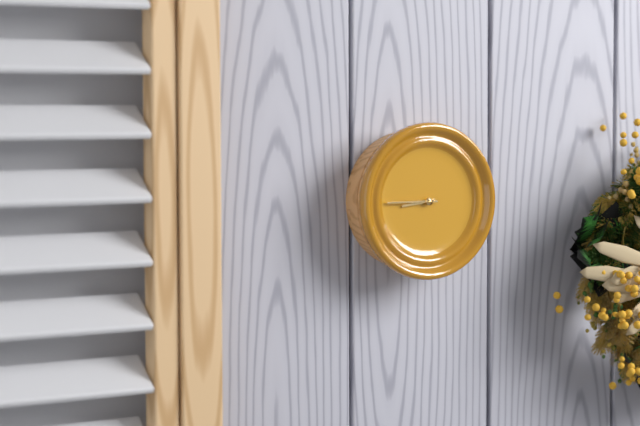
{"hour": 8, "minute": 45}
